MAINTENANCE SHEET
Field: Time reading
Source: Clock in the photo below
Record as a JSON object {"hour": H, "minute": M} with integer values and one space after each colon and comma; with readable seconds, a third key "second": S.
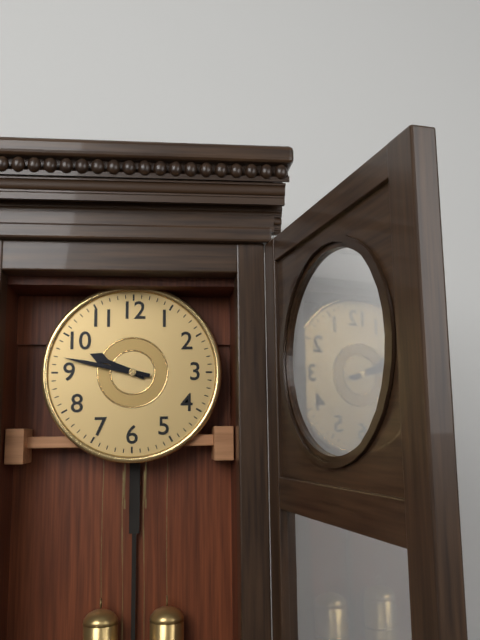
{"hour": 9, "minute": 47}
